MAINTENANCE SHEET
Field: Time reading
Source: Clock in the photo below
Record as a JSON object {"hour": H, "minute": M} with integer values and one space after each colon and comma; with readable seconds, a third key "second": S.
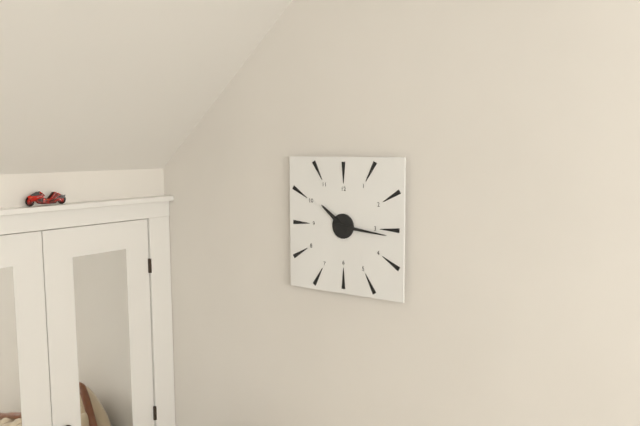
{"hour": 10, "minute": 16}
